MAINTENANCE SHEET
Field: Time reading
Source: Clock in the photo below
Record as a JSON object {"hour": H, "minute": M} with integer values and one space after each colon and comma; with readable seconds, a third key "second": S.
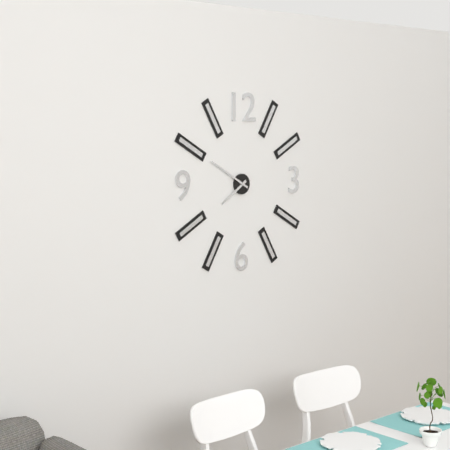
{"hour": 7, "minute": 50}
